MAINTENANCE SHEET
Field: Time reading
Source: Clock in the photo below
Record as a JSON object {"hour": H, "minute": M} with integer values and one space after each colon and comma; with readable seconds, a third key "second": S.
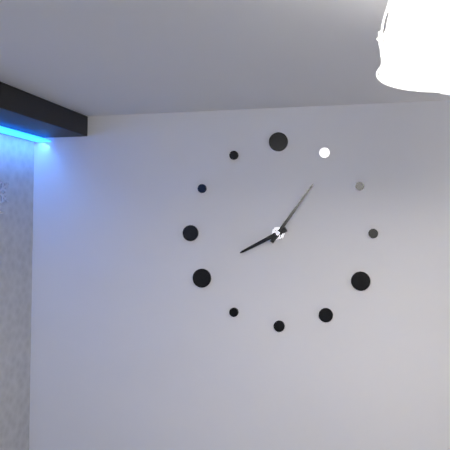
{"hour": 8, "minute": 6}
